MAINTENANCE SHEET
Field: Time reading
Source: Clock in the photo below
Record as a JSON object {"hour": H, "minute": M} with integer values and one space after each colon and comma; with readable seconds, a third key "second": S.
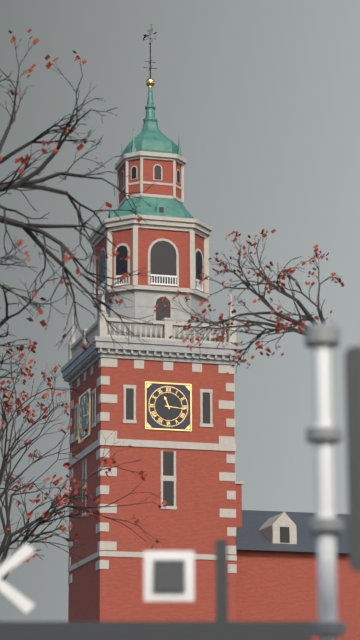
{"hour": 11, "minute": 16}
